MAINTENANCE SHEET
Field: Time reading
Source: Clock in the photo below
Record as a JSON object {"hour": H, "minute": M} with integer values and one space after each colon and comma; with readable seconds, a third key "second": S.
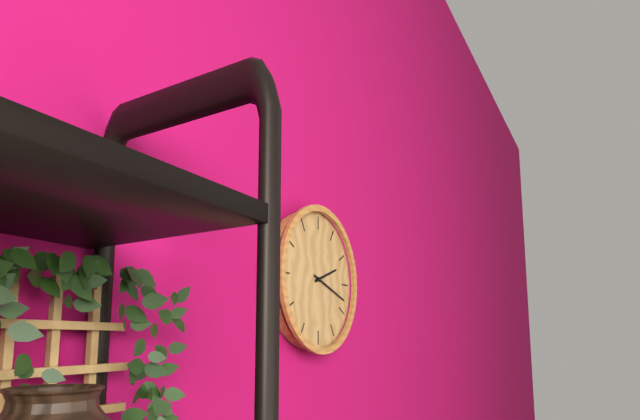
{"hour": 2, "minute": 18}
